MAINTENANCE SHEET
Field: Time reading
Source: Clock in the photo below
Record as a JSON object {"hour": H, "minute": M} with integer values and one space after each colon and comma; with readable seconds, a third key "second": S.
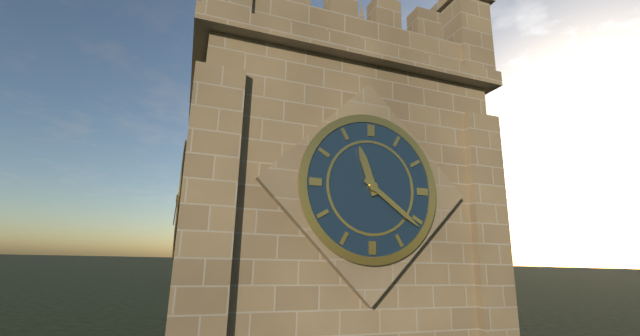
{"hour": 11, "minute": 21}
